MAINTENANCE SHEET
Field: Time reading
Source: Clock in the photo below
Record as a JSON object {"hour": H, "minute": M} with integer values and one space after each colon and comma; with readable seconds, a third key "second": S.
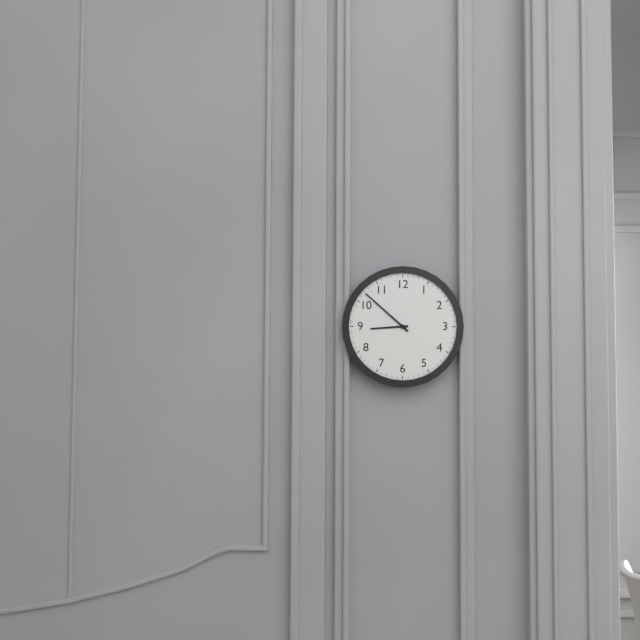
{"hour": 8, "minute": 52}
